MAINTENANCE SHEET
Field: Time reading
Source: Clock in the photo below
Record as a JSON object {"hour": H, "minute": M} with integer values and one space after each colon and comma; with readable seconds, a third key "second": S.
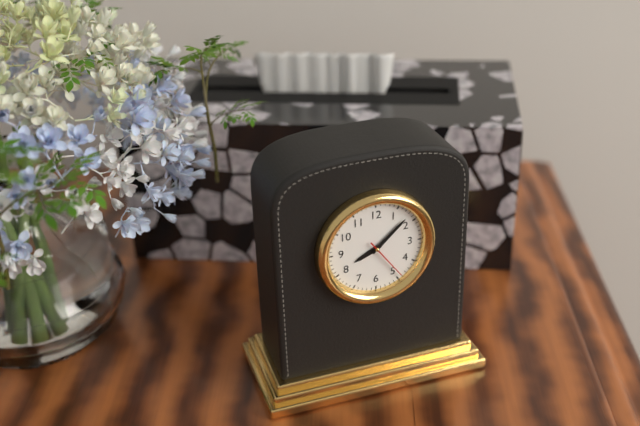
{"hour": 8, "minute": 8}
